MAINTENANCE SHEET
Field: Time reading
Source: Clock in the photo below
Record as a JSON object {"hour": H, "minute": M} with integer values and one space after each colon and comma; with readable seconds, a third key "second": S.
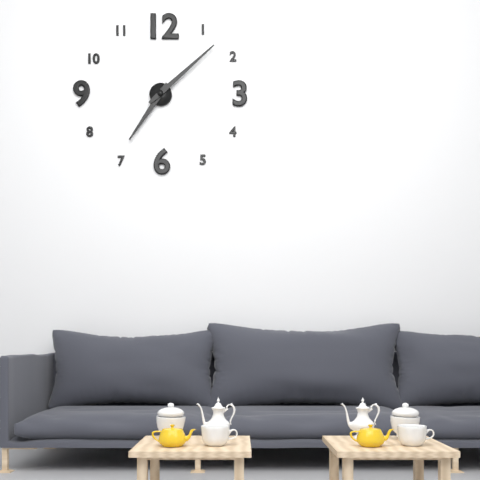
{"hour": 7, "minute": 8}
